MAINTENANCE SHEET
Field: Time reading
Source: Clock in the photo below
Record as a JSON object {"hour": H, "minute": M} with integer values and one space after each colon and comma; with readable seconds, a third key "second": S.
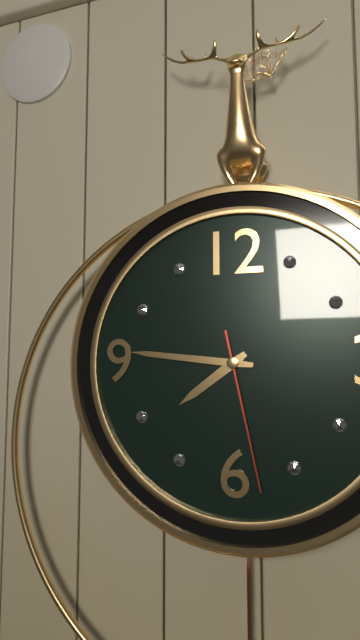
{"hour": 7, "minute": 46, "second": 28}
